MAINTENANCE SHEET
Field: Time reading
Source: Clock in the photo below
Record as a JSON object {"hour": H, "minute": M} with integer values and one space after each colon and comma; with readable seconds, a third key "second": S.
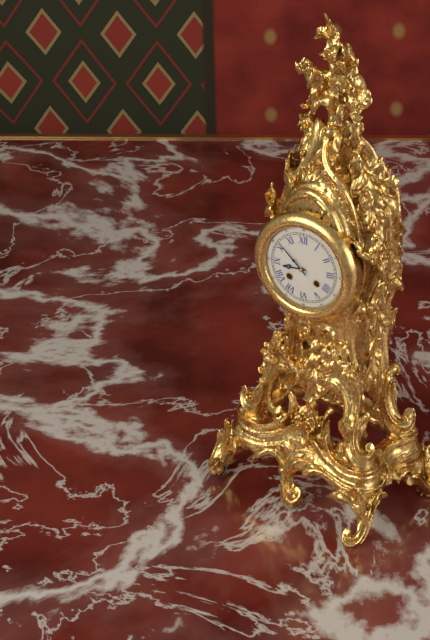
{"hour": 8, "minute": 52}
